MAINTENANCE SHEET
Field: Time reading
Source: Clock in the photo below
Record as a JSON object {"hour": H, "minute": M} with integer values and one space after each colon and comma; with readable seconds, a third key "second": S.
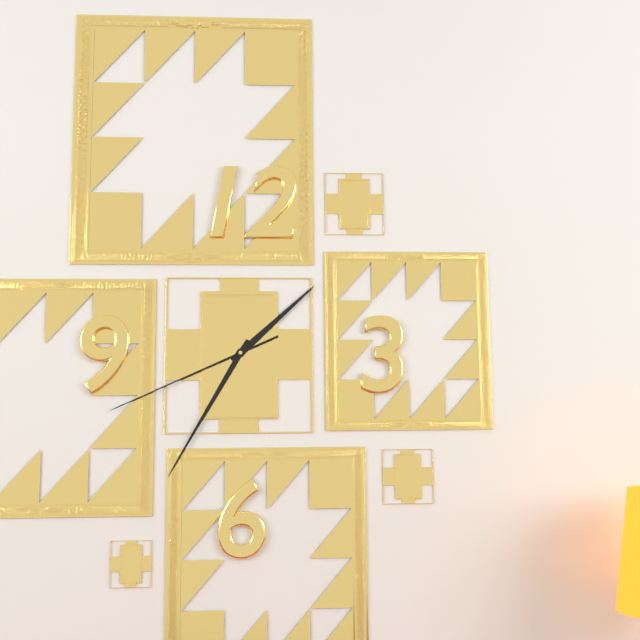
{"hour": 1, "minute": 35, "second": 41}
